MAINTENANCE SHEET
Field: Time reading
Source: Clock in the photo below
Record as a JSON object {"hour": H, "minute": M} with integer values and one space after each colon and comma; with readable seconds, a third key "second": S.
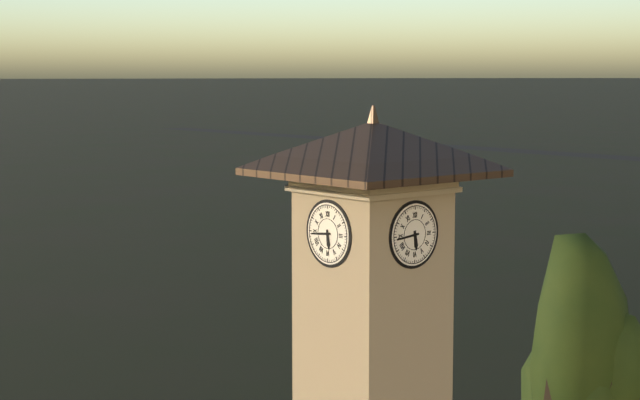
{"hour": 5, "minute": 44}
